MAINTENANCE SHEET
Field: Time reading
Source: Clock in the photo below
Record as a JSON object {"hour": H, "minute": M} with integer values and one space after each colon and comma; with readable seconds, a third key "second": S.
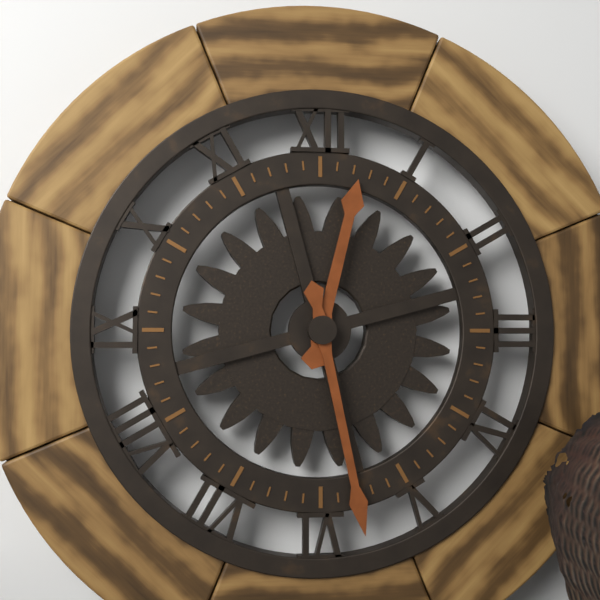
{"hour": 12, "minute": 28}
